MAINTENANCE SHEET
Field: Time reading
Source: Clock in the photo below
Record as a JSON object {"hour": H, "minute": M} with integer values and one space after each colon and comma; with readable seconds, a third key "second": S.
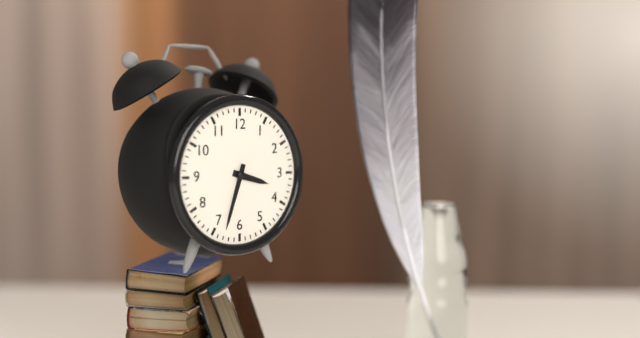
{"hour": 3, "minute": 33}
